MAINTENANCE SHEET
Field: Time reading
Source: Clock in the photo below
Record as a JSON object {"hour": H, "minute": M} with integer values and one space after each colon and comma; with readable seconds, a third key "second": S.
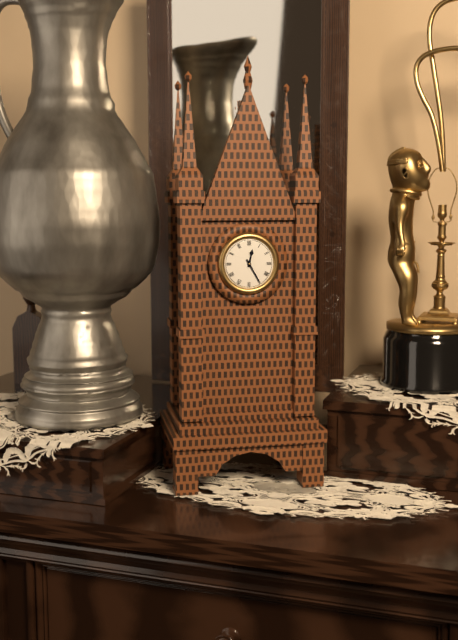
{"hour": 12, "minute": 25}
